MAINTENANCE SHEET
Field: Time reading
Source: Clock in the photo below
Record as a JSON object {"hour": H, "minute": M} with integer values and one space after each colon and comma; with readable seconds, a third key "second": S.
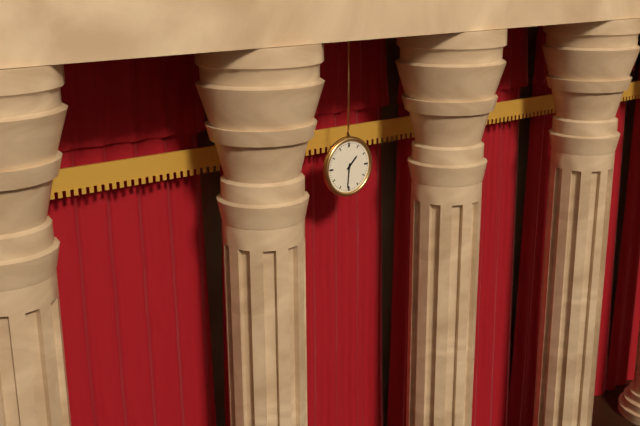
{"hour": 1, "minute": 31}
